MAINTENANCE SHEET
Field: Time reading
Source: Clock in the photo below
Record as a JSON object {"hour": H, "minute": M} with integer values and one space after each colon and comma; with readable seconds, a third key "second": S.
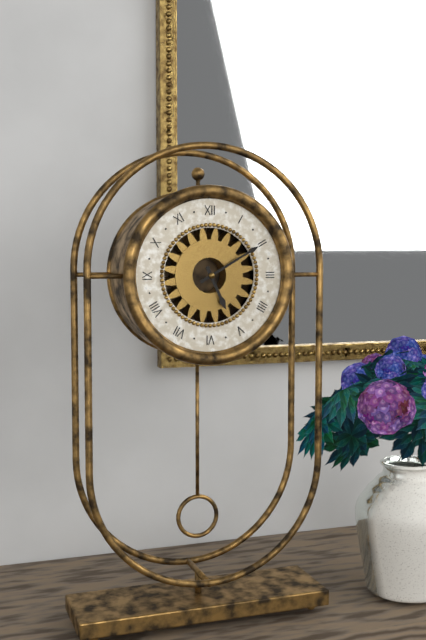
{"hour": 5, "minute": 10}
